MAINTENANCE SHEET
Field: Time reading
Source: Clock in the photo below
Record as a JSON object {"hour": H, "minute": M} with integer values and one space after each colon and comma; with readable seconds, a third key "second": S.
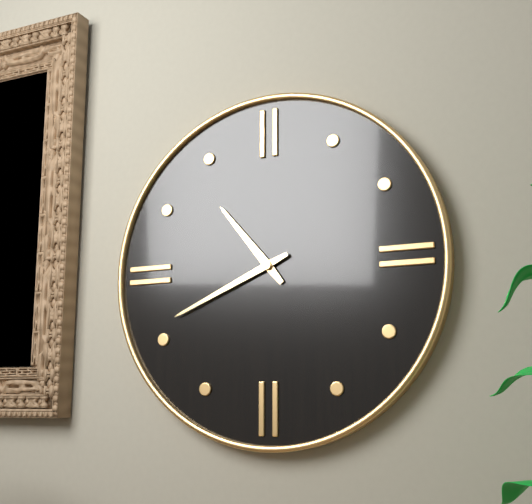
{"hour": 10, "minute": 41}
